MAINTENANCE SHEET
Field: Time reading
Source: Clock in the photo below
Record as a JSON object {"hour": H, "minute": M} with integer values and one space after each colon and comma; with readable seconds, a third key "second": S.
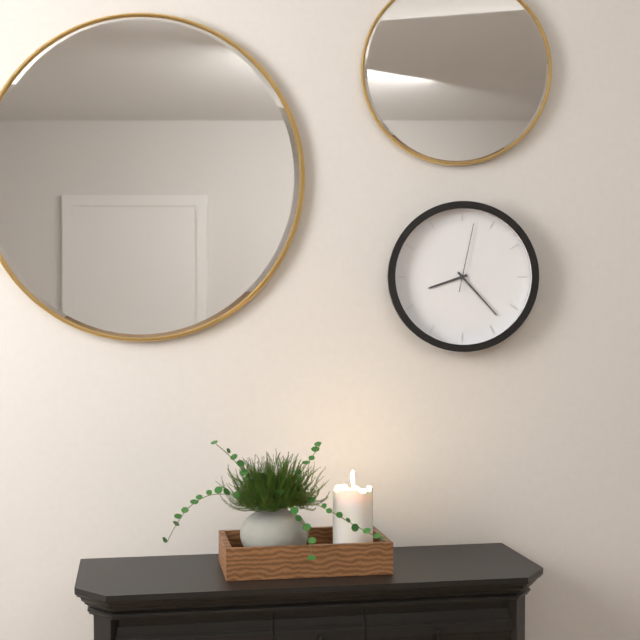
{"hour": 8, "minute": 23, "second": 2}
